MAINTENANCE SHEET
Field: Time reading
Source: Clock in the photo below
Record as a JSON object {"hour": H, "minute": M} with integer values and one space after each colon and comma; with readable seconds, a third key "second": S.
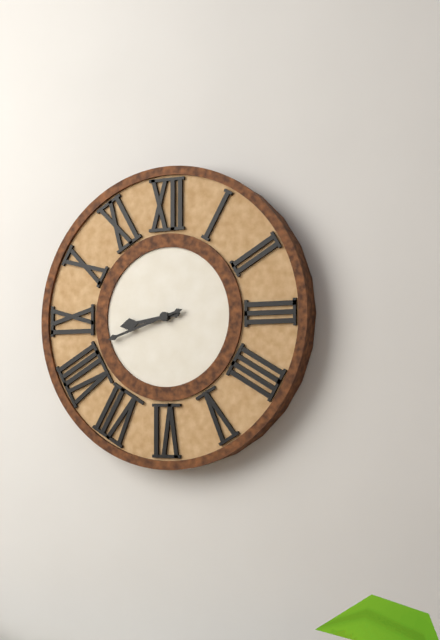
{"hour": 8, "minute": 42}
